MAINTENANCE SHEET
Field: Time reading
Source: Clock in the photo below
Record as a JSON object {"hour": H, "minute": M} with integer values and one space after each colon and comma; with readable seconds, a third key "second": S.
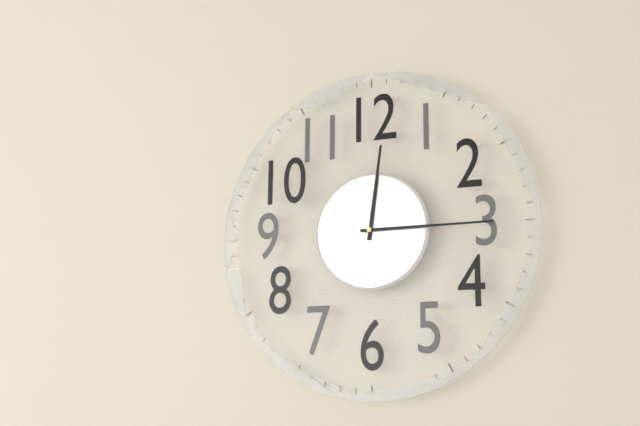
{"hour": 12, "minute": 15}
